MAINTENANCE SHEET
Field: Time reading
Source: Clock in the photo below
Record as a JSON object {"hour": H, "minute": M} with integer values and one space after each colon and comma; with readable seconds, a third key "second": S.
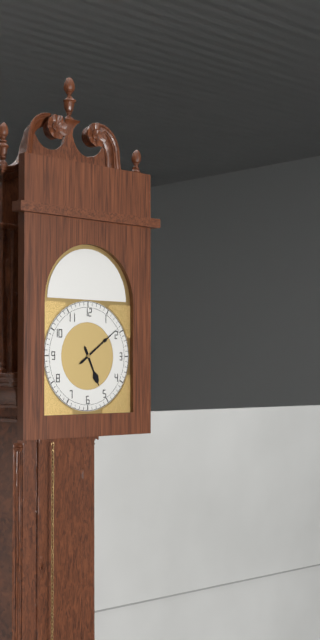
{"hour": 5, "minute": 9}
